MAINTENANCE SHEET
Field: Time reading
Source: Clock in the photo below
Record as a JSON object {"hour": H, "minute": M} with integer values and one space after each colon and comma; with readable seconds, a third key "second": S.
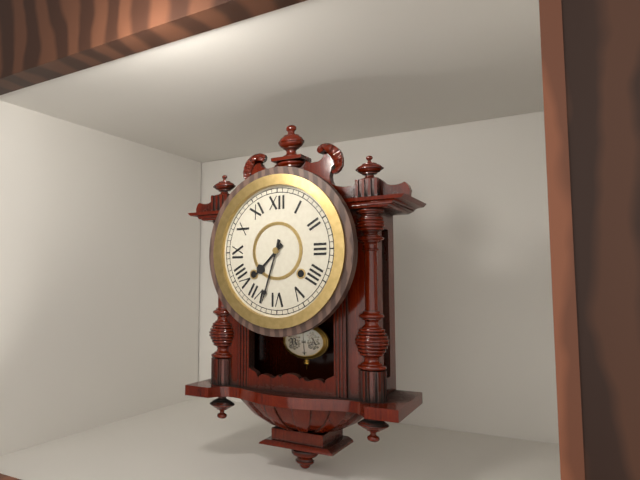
{"hour": 7, "minute": 33}
